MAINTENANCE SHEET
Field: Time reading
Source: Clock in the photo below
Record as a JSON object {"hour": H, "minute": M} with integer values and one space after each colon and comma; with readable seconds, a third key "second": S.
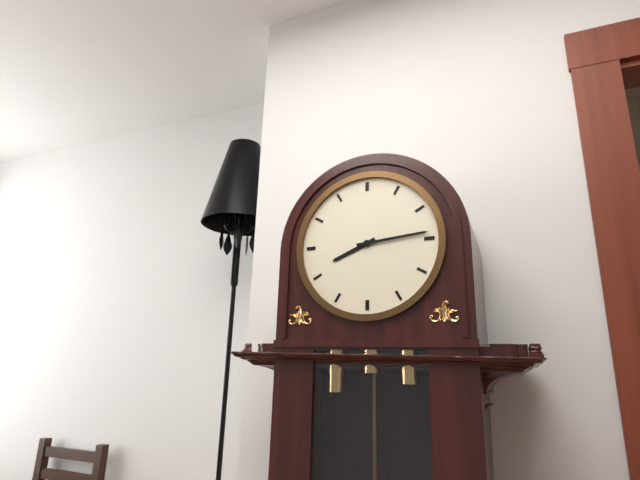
{"hour": 8, "minute": 14}
